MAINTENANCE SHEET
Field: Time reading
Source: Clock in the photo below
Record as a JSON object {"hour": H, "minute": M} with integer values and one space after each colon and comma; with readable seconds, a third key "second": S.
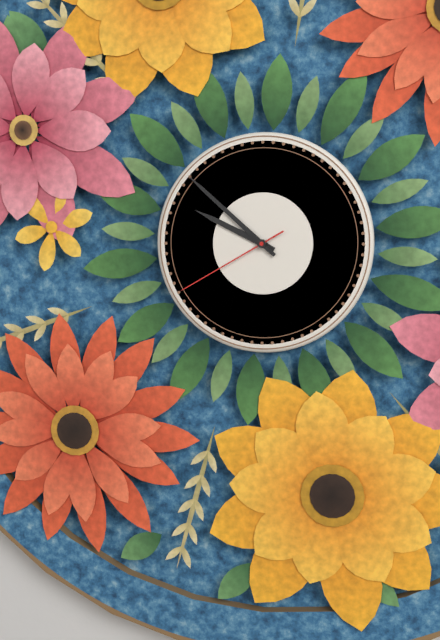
{"hour": 9, "minute": 52, "second": 40}
